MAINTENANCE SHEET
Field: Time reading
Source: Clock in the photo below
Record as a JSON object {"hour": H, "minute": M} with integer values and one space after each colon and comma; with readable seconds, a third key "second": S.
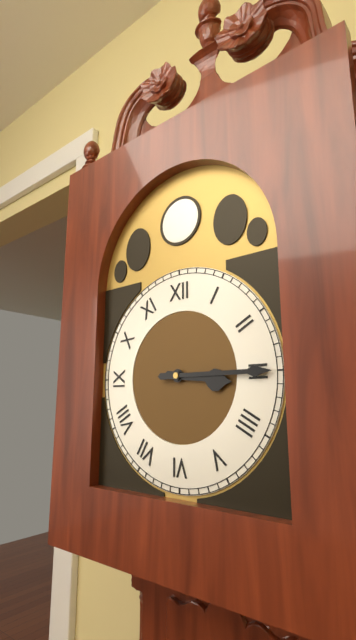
{"hour": 3, "minute": 15}
